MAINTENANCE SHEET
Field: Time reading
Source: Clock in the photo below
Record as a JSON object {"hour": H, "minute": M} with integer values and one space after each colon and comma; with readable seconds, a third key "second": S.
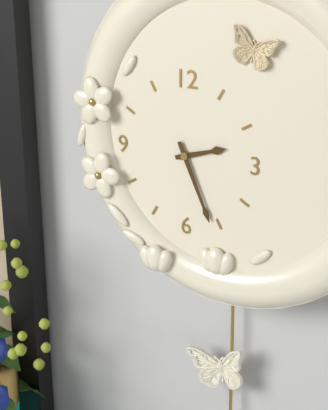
{"hour": 2, "minute": 26}
